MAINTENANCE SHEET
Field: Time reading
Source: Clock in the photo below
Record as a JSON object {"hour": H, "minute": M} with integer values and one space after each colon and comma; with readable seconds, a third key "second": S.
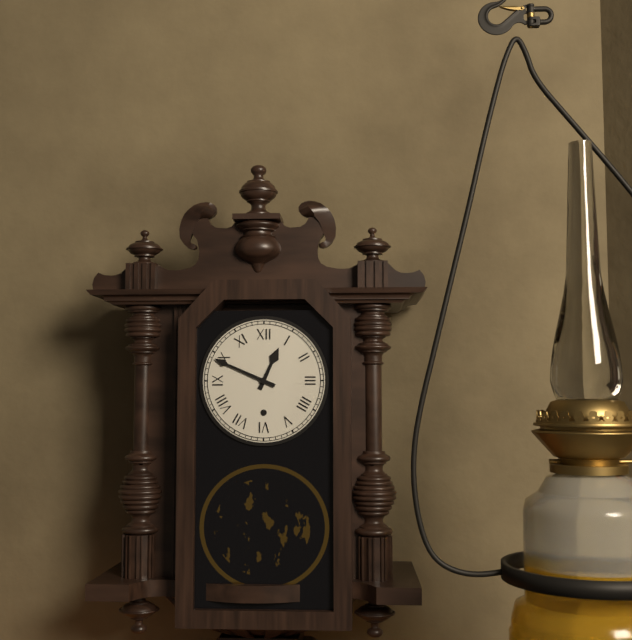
{"hour": 12, "minute": 49}
